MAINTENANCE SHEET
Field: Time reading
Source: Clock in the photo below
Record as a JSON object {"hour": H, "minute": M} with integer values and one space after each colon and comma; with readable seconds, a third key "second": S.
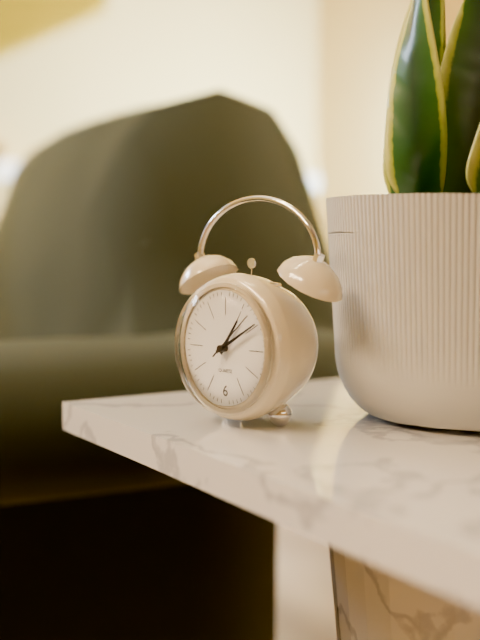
{"hour": 1, "minute": 10, "second": 8}
